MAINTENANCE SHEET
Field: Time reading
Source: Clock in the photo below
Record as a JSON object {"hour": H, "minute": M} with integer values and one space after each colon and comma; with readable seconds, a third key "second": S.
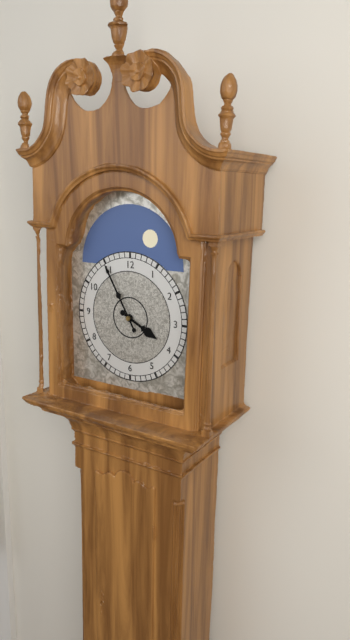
{"hour": 3, "minute": 55}
